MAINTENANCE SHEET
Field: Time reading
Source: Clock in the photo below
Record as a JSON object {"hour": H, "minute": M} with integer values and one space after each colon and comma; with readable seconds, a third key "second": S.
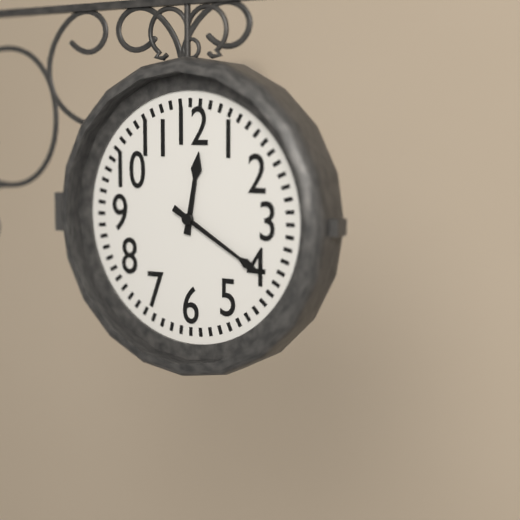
{"hour": 12, "minute": 20}
